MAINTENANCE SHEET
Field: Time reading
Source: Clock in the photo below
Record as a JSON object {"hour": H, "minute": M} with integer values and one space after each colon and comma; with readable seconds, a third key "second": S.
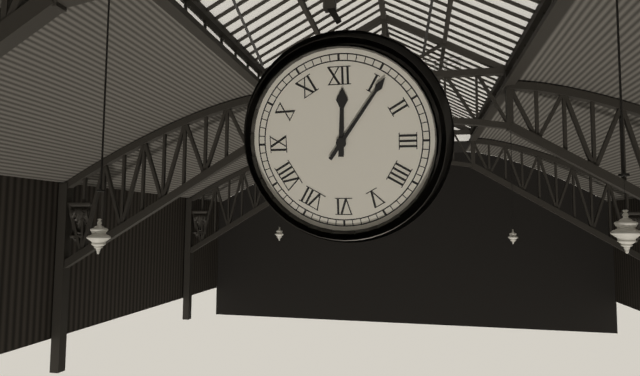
{"hour": 12, "minute": 6}
